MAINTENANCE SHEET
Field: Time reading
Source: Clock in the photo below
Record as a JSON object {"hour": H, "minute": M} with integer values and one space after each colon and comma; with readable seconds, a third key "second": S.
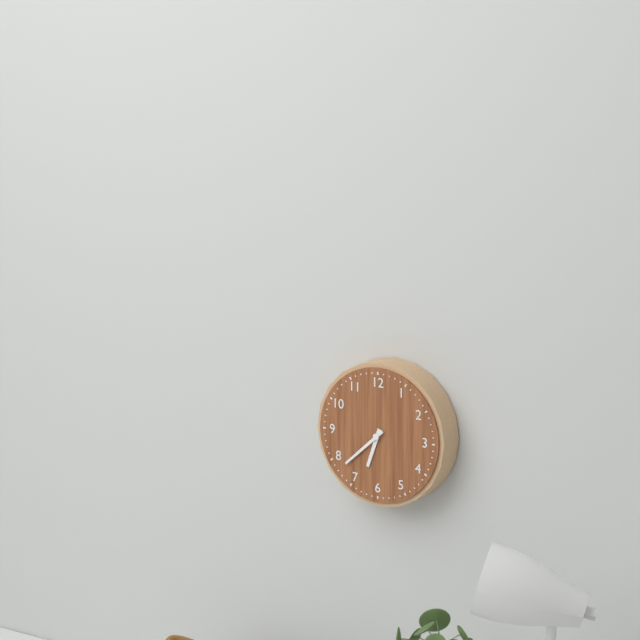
{"hour": 6, "minute": 38}
